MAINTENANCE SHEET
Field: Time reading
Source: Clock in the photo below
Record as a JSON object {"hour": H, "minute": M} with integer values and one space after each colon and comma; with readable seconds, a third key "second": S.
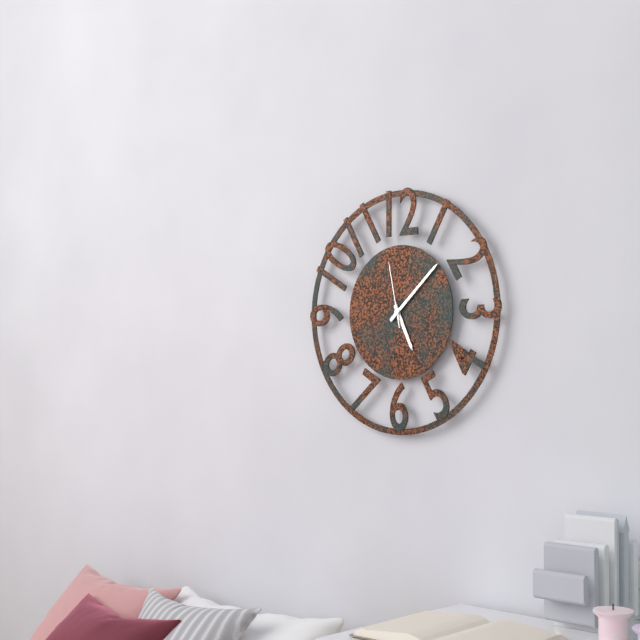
{"hour": 5, "minute": 8, "second": 58}
